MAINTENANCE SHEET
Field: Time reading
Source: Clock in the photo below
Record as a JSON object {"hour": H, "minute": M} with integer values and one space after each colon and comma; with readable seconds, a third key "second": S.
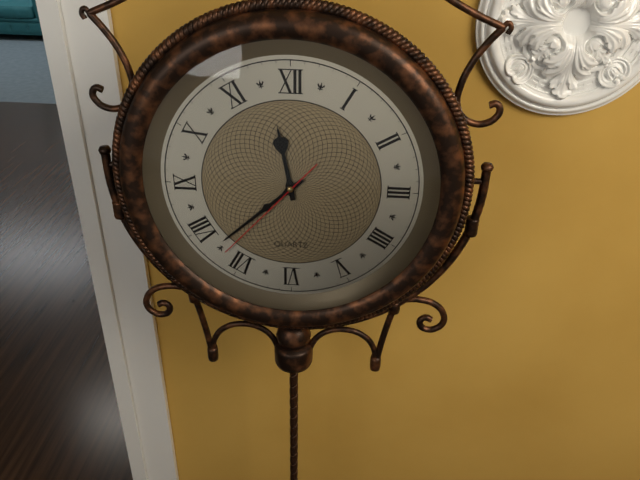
{"hour": 11, "minute": 38, "second": 37}
